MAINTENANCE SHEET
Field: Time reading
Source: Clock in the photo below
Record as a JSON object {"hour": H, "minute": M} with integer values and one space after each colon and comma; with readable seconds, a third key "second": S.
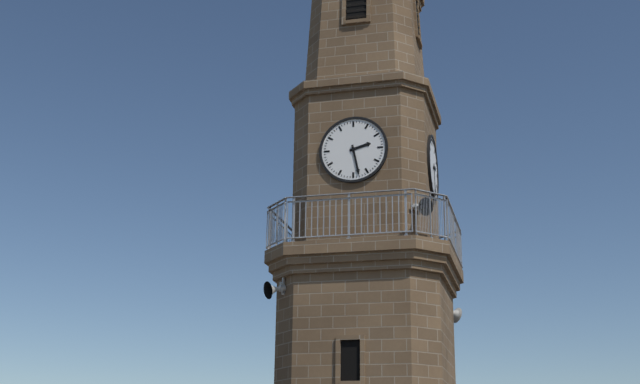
{"hour": 2, "minute": 28}
